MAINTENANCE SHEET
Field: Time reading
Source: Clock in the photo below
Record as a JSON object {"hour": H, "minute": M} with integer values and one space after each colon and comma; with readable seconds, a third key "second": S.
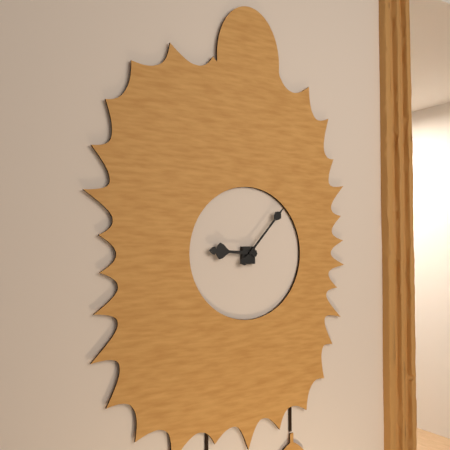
{"hour": 9, "minute": 7}
